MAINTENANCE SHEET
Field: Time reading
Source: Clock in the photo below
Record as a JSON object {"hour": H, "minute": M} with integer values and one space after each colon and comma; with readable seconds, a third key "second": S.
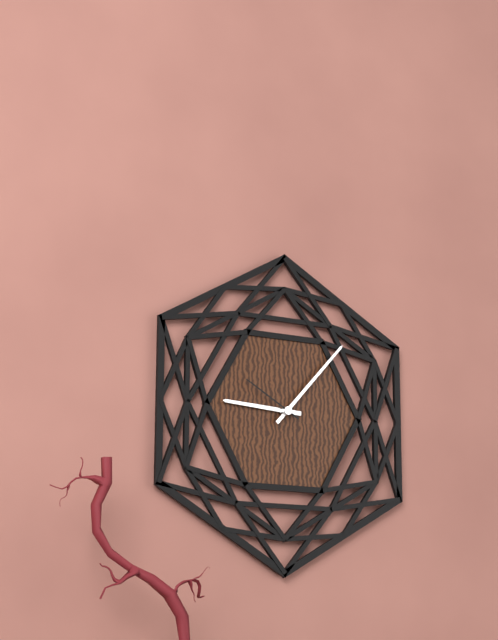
{"hour": 9, "minute": 7, "second": 50}
